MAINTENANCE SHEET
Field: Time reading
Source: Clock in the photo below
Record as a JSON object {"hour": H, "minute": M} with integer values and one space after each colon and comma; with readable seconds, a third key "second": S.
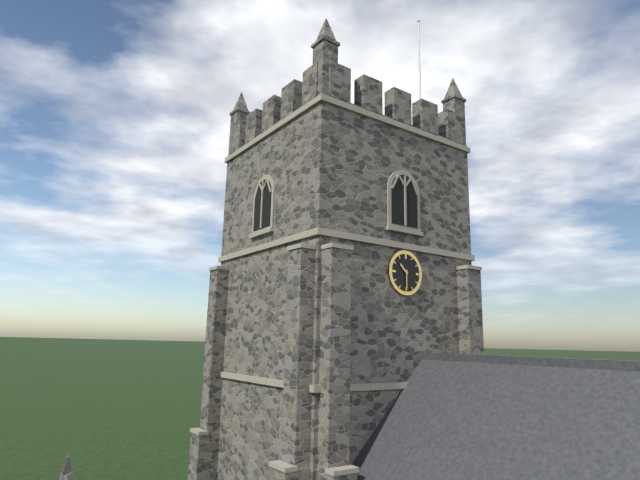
{"hour": 10, "minute": 30}
